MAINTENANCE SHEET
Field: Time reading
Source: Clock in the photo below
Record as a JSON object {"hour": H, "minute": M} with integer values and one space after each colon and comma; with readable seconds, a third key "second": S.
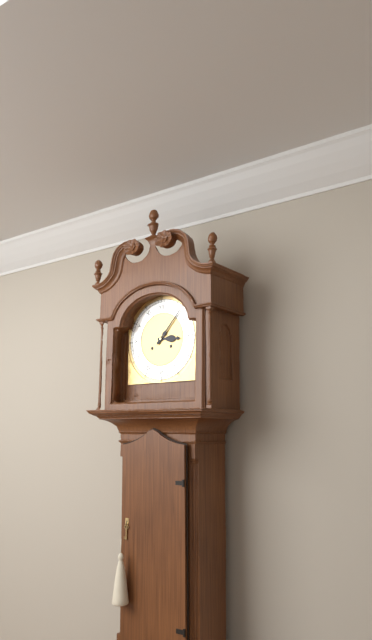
{"hour": 3, "minute": 7}
